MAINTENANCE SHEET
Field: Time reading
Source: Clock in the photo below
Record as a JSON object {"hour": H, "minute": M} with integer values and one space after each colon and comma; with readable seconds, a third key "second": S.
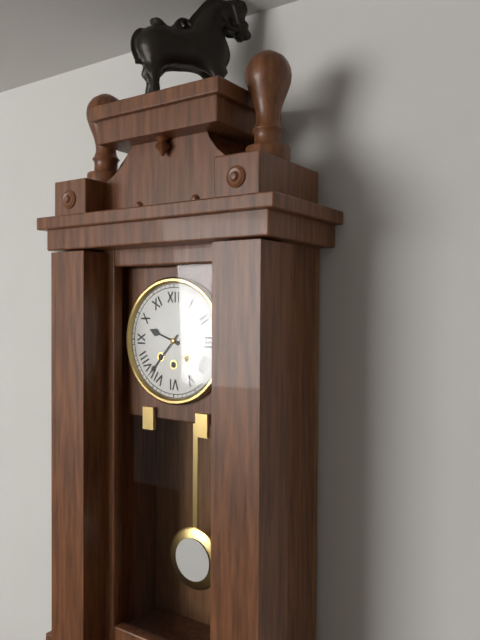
{"hour": 9, "minute": 37}
